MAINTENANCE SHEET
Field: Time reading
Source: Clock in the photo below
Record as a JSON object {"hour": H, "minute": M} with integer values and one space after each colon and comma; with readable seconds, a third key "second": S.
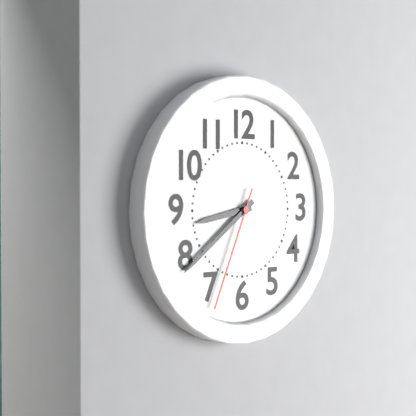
{"hour": 8, "minute": 39, "second": 34}
